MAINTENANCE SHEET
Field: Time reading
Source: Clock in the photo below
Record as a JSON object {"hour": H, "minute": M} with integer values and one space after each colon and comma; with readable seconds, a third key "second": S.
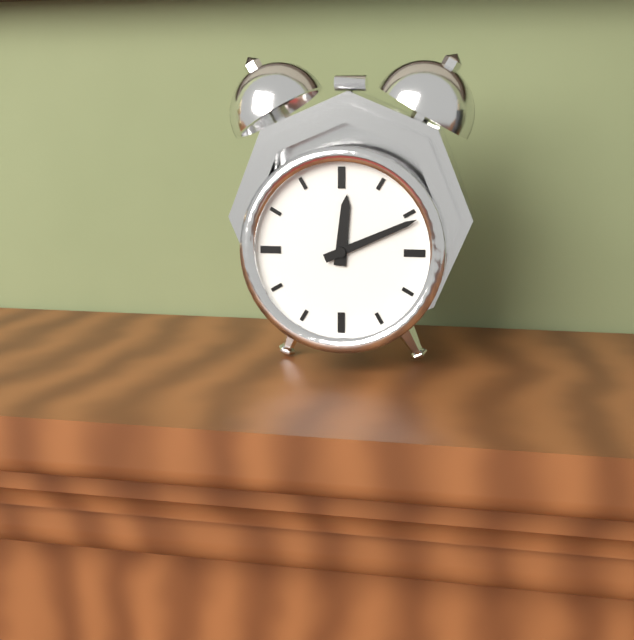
{"hour": 12, "minute": 11}
